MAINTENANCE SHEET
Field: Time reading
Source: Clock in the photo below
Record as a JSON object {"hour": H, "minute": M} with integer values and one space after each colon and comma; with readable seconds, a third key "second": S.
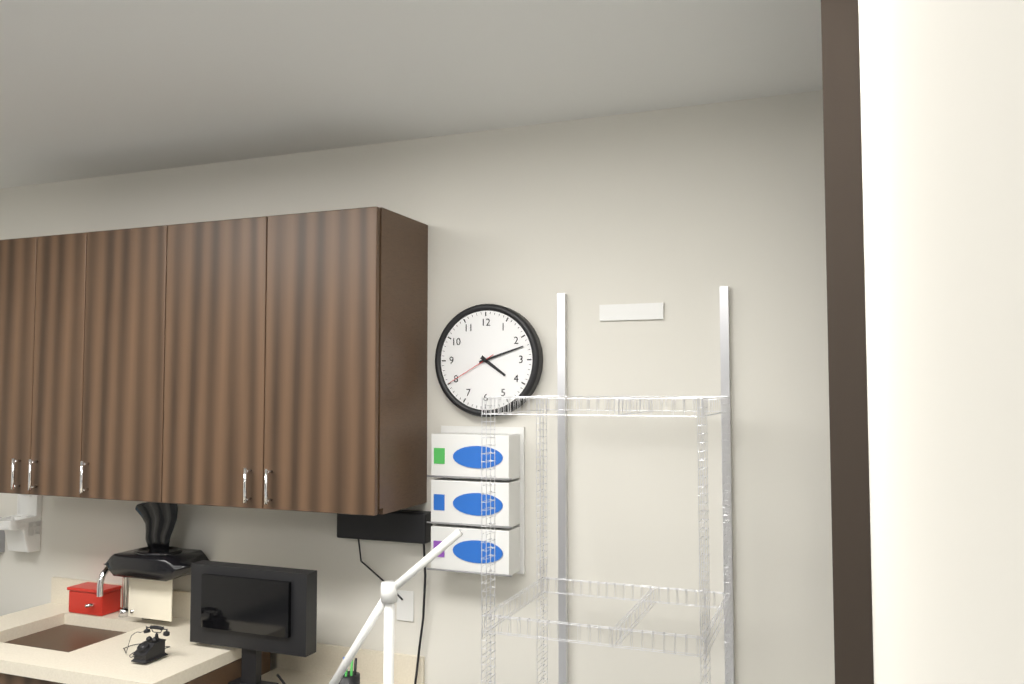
{"hour": 4, "minute": 12, "second": 40}
